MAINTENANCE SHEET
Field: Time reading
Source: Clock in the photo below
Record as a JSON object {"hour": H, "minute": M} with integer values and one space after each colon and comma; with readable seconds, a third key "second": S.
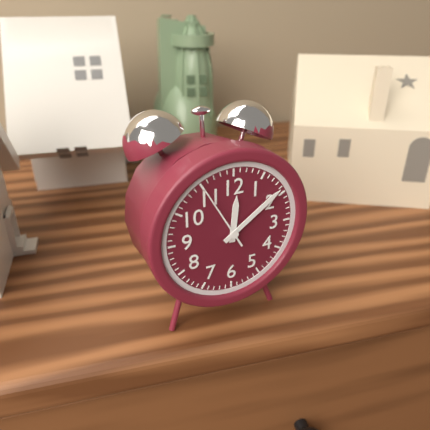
{"hour": 12, "minute": 9, "second": 55}
